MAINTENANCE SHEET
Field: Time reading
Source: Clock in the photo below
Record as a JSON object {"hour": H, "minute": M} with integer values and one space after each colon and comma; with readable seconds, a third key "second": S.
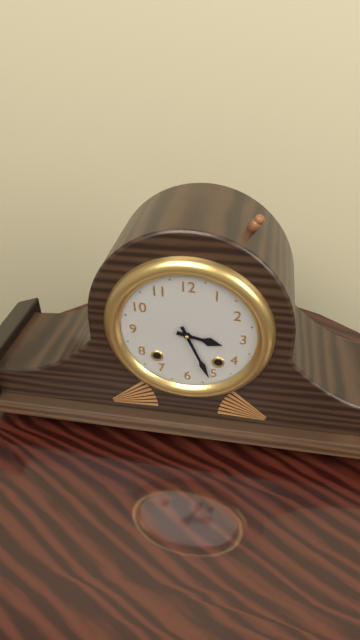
{"hour": 3, "minute": 26}
